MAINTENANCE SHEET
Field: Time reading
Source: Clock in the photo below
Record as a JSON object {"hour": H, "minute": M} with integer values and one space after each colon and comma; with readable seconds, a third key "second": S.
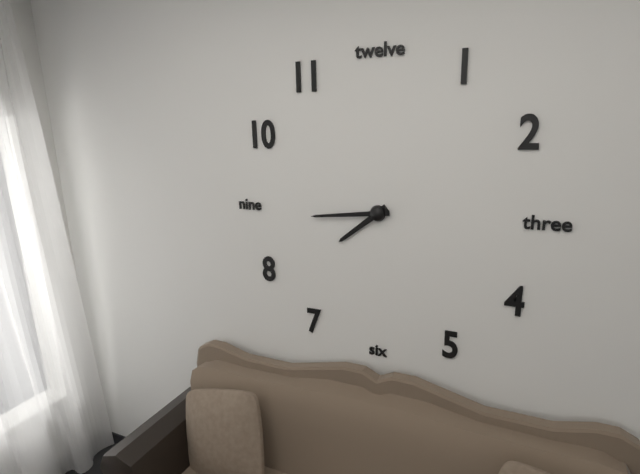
{"hour": 7, "minute": 44}
